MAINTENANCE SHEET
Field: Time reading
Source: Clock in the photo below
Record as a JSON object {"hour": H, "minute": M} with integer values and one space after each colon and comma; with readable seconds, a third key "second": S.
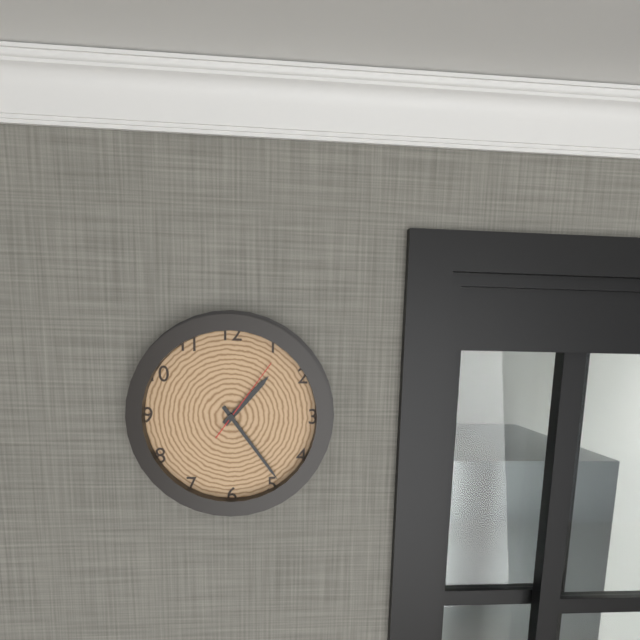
{"hour": 1, "minute": 24, "second": 6}
